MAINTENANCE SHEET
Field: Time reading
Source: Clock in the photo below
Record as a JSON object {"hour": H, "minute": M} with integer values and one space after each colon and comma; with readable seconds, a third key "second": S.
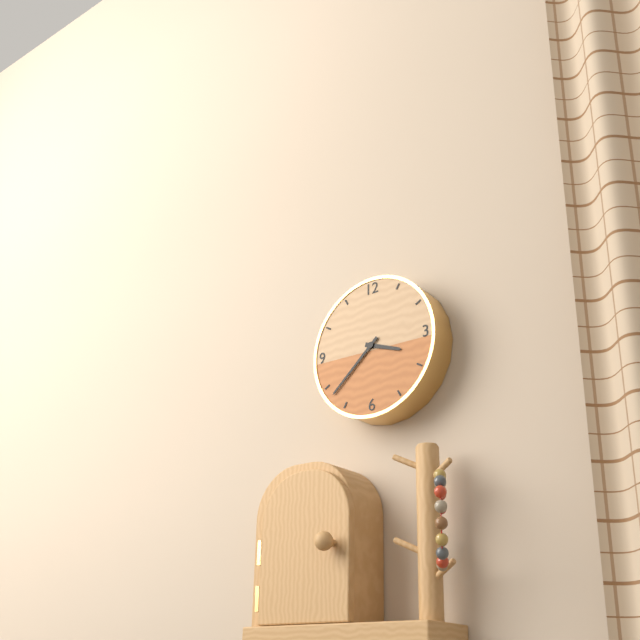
{"hour": 3, "minute": 38}
